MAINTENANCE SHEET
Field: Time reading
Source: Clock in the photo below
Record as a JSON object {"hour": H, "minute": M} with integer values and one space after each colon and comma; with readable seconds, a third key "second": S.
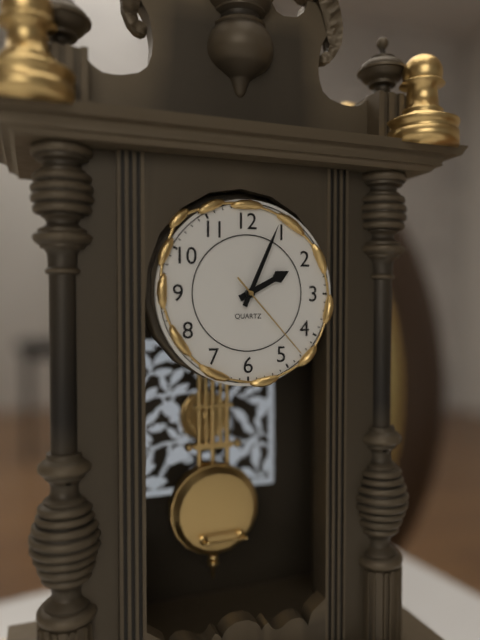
{"hour": 2, "minute": 4, "second": 23}
